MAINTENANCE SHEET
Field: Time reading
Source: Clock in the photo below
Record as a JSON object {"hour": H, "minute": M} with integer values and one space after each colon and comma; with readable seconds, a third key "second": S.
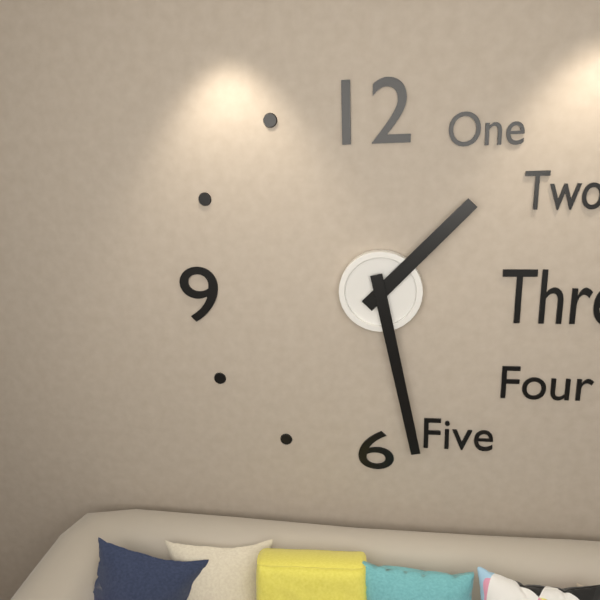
{"hour": 1, "minute": 28}
